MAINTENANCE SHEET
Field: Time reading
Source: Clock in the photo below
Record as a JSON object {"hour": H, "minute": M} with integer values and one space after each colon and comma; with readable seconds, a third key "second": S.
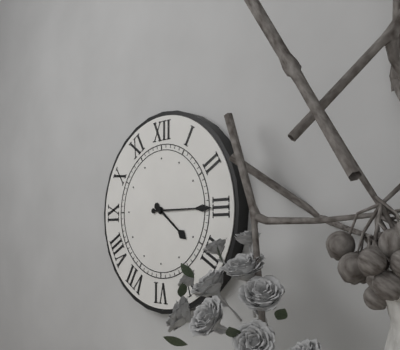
{"hour": 4, "minute": 15}
